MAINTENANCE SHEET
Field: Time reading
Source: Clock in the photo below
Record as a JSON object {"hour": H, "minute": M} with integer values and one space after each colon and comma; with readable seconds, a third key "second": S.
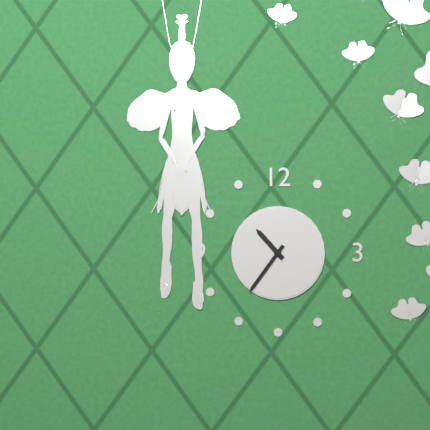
{"hour": 10, "minute": 36}
